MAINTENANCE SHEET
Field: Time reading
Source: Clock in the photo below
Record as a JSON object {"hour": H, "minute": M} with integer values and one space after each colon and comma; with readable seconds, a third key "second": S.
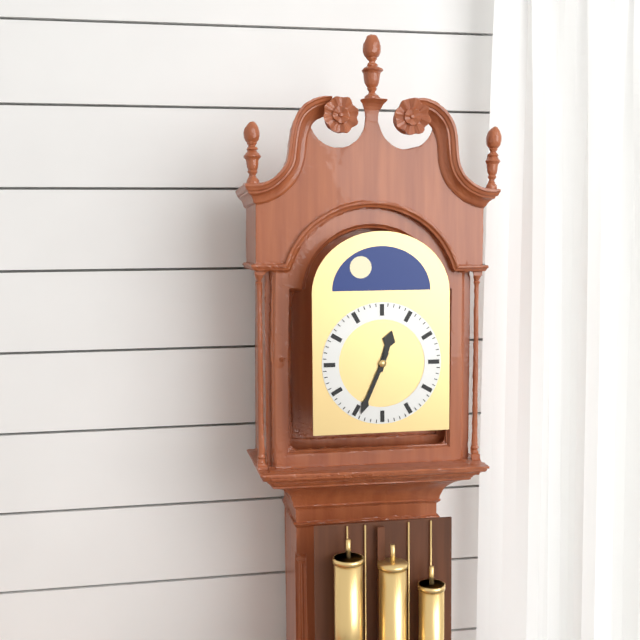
{"hour": 12, "minute": 34}
